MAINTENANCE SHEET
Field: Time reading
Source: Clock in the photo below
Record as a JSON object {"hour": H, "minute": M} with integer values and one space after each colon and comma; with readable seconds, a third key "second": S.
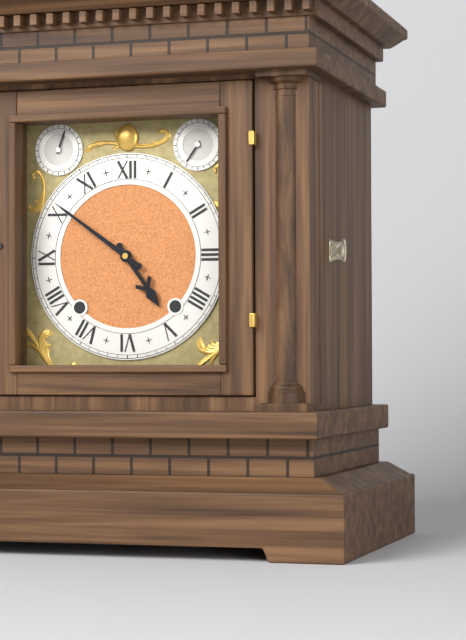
{"hour": 4, "minute": 51}
